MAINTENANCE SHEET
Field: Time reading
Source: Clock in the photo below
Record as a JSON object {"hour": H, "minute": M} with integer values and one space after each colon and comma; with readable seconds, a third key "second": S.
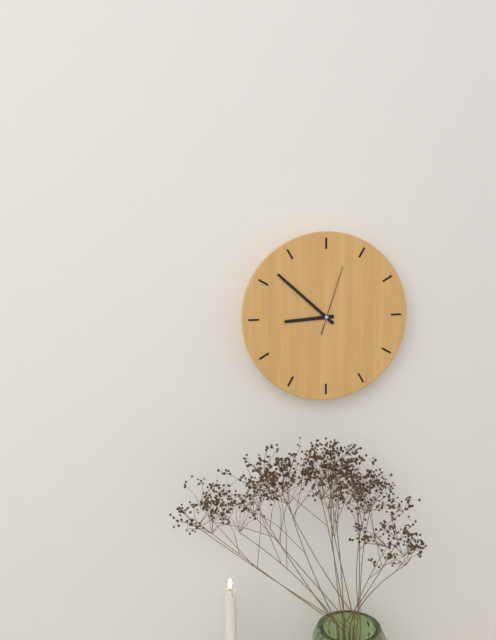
{"hour": 8, "minute": 52, "second": 3}
